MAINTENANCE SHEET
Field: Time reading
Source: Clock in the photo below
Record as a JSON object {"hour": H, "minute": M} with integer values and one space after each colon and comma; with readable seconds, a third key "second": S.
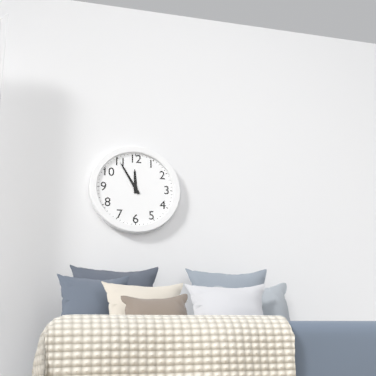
{"hour": 11, "minute": 55}
